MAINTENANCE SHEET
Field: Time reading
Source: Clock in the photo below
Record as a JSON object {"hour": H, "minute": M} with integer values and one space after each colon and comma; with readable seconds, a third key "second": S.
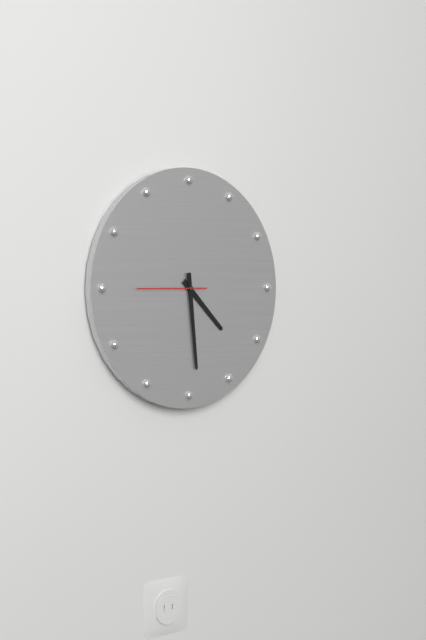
{"hour": 4, "minute": 29, "second": 45}
